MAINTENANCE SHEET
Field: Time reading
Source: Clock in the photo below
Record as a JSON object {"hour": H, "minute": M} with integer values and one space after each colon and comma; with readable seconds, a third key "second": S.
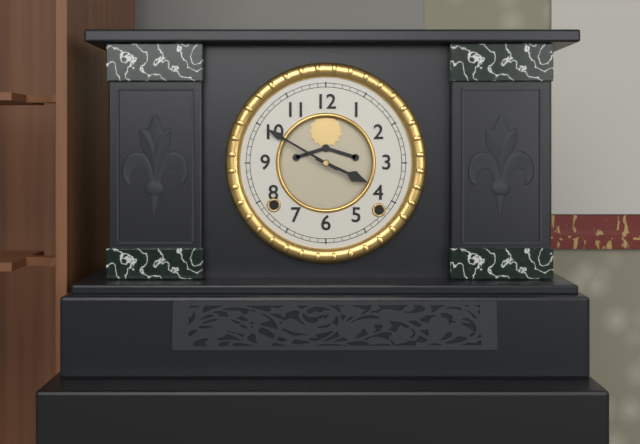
{"hour": 3, "minute": 50}
